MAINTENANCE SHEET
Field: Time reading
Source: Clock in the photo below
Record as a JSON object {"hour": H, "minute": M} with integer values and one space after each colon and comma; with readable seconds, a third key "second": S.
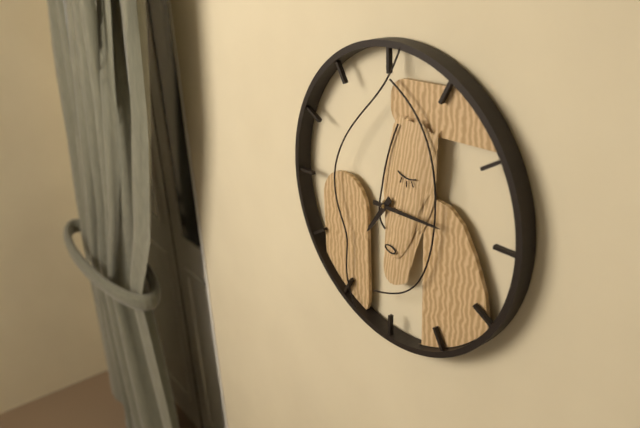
{"hour": 7, "minute": 15}
